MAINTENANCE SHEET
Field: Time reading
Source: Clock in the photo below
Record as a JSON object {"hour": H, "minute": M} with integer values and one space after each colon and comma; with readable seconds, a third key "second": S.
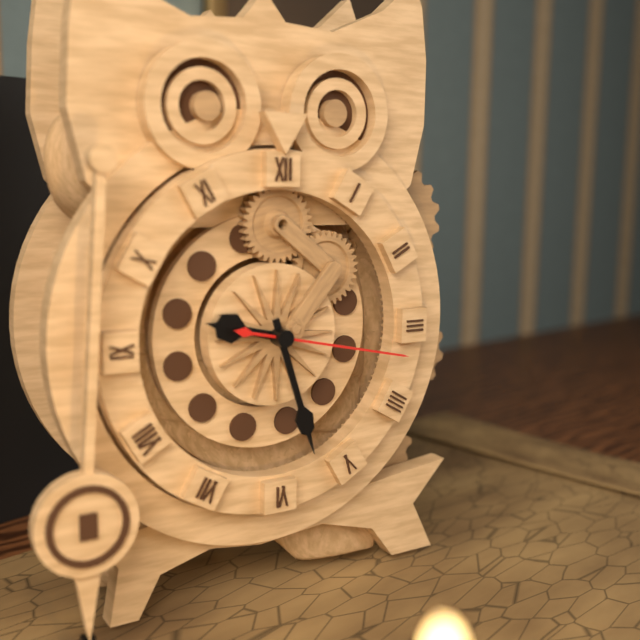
{"hour": 9, "minute": 27, "second": 17}
